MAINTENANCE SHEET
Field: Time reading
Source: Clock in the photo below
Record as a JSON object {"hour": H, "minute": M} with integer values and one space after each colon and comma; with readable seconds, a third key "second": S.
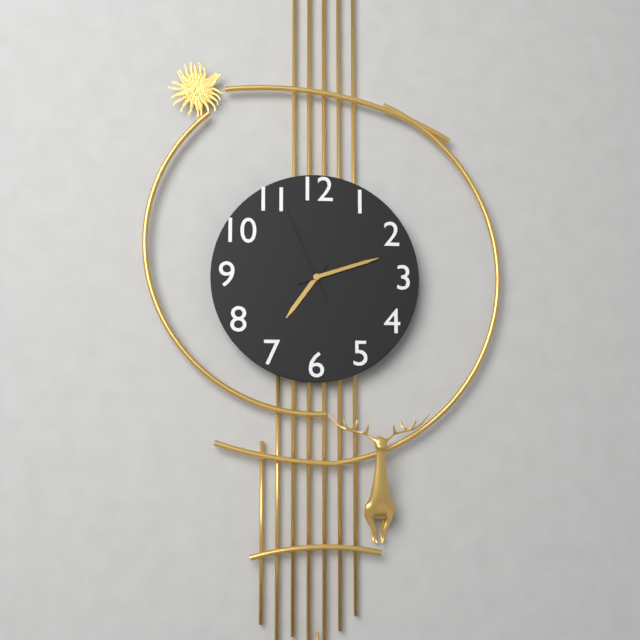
{"hour": 7, "minute": 12, "second": 56}
